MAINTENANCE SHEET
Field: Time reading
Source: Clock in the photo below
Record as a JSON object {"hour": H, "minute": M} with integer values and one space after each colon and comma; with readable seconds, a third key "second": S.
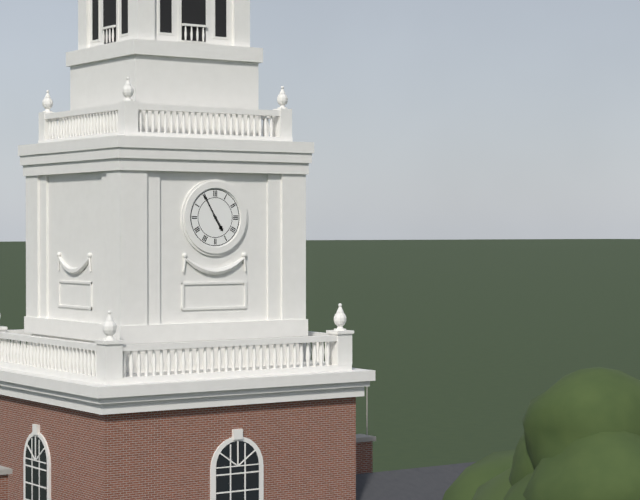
{"hour": 4, "minute": 55}
